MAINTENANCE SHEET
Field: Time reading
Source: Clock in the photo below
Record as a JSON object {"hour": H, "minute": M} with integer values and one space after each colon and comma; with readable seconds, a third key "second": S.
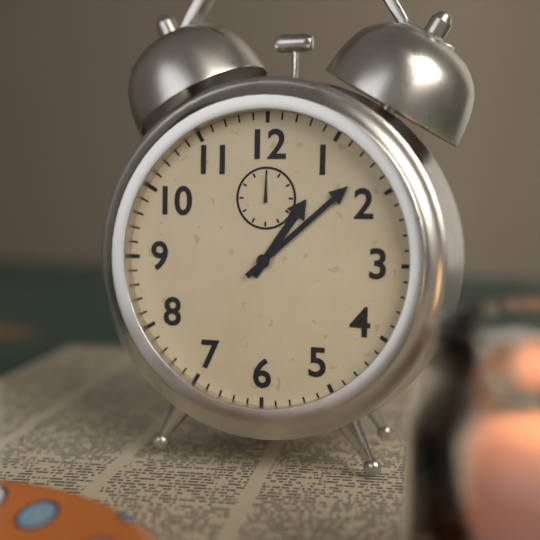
{"hour": 1, "minute": 8}
